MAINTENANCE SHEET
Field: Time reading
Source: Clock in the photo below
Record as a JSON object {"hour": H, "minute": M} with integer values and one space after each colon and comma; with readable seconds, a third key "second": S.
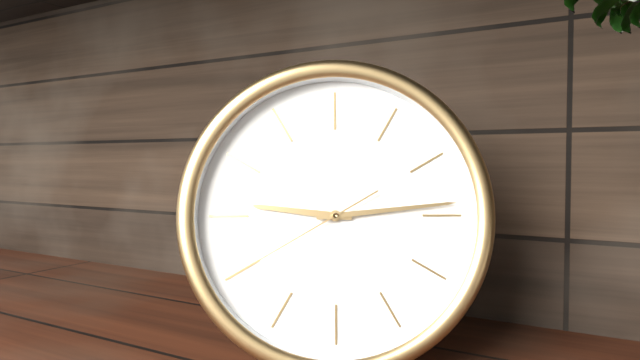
{"hour": 9, "minute": 14, "second": 40}
